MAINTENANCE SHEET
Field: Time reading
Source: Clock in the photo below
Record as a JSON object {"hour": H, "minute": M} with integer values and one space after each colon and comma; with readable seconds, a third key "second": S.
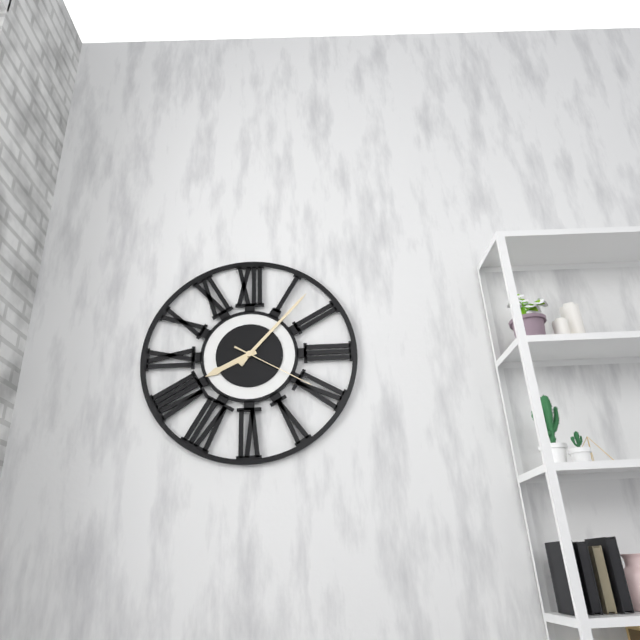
{"hour": 8, "minute": 7, "second": 20}
